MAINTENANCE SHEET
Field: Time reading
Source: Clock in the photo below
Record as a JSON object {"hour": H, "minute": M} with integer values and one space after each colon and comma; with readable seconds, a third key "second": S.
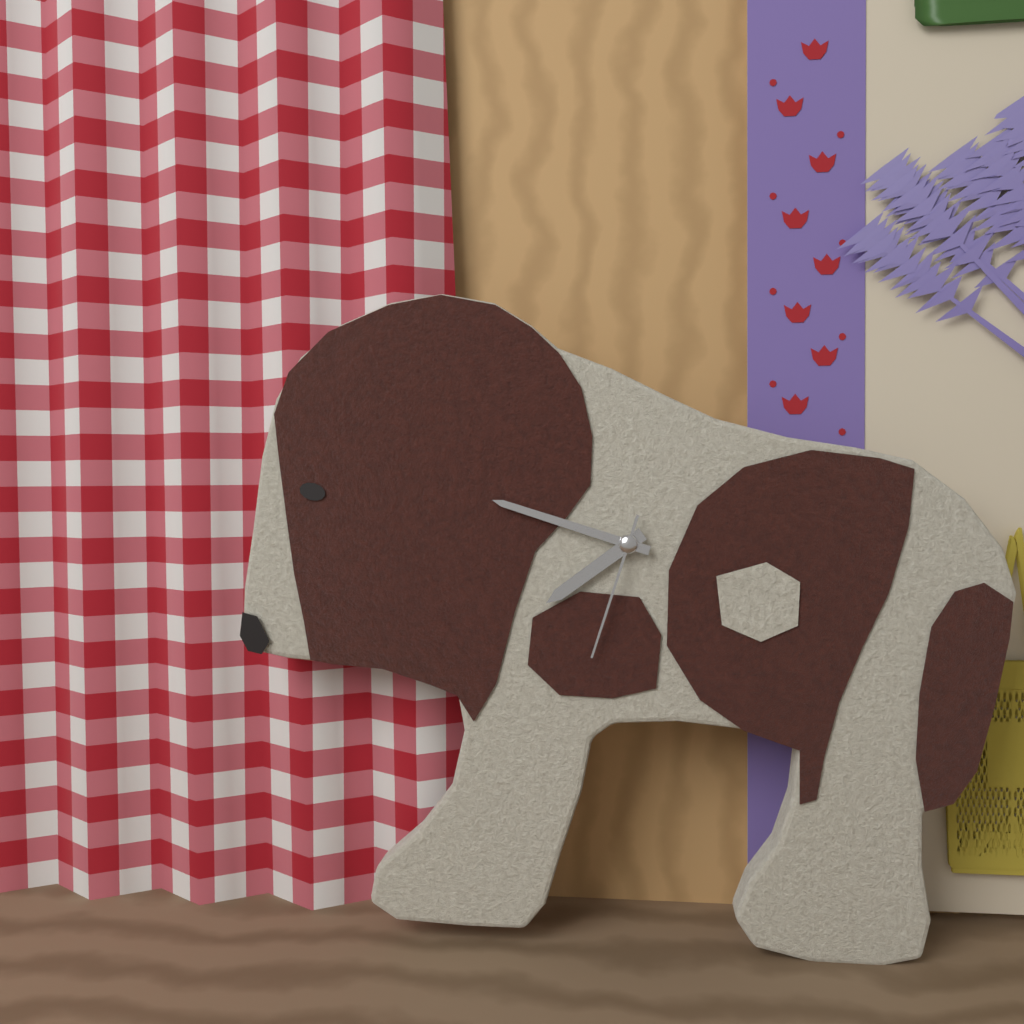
{"hour": 7, "minute": 48, "second": 33}
